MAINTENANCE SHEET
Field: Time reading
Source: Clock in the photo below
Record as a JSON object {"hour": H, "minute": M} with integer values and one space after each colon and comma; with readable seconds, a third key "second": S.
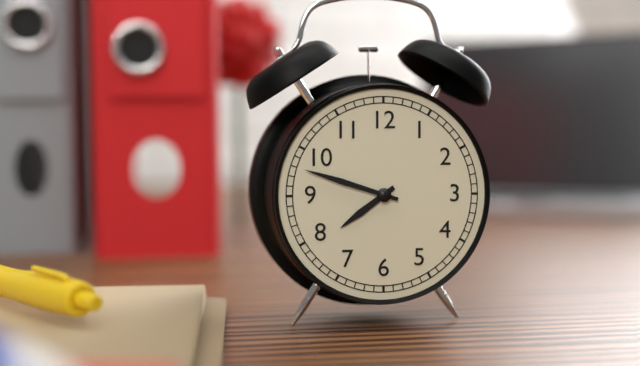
{"hour": 7, "minute": 48}
